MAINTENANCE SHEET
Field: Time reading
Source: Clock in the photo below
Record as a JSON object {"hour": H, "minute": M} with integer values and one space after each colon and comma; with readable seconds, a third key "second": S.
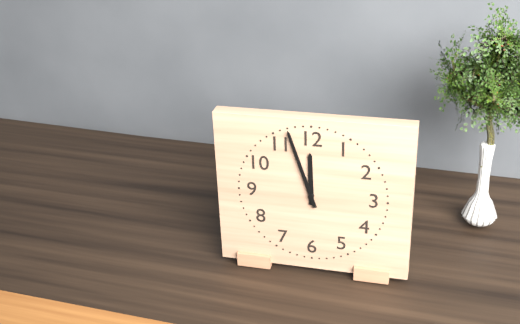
{"hour": 11, "minute": 57}
